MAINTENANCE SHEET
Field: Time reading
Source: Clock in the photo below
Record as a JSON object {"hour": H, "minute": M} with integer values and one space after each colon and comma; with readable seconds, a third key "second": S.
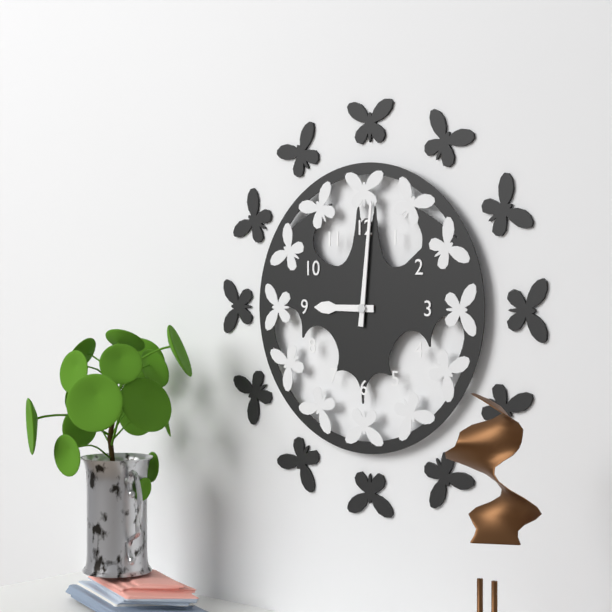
{"hour": 9, "minute": 1}
